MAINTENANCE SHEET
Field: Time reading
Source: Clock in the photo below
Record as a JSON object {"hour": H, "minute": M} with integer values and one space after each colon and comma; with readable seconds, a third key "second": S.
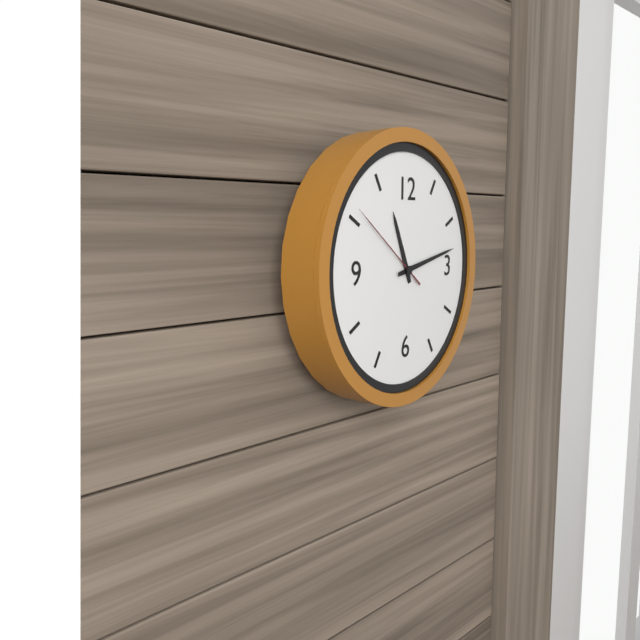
{"hour": 11, "minute": 13, "second": 51}
